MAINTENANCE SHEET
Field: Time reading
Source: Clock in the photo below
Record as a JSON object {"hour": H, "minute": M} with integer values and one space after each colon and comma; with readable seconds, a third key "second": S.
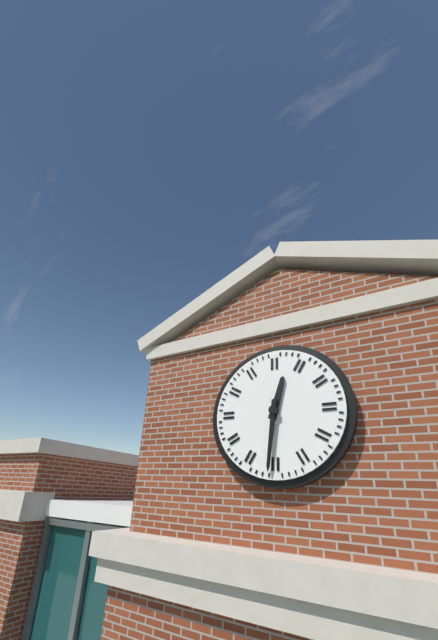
{"hour": 12, "minute": 31}
